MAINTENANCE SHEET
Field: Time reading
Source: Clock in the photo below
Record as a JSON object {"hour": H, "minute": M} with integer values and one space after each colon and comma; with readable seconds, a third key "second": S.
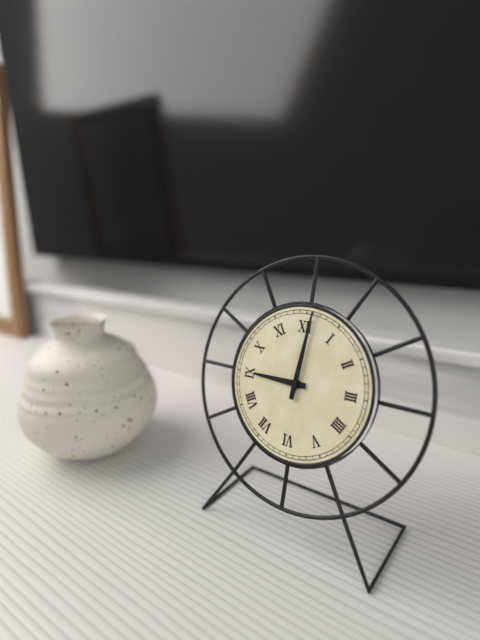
{"hour": 9, "minute": 1}
